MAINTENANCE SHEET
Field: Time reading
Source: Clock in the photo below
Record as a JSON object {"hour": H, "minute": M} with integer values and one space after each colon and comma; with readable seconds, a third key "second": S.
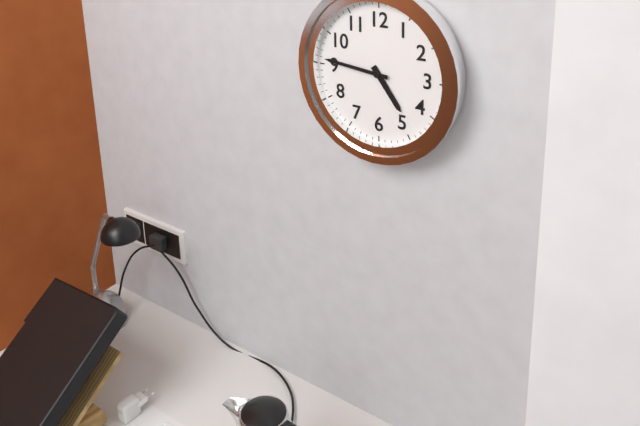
{"hour": 4, "minute": 46}
